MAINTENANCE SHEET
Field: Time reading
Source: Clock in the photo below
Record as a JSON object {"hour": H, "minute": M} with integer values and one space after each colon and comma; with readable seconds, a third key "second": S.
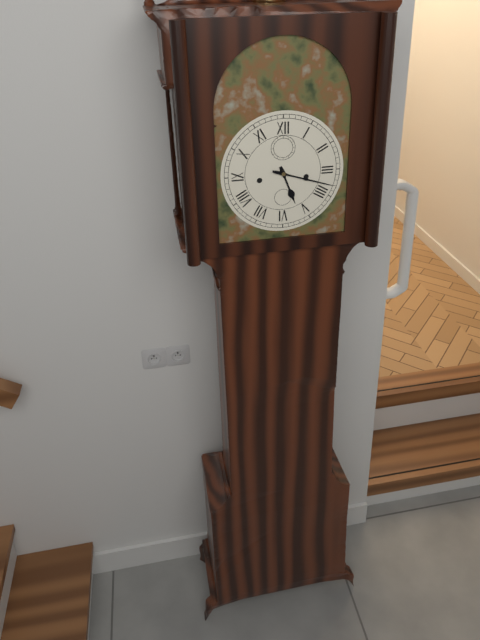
{"hour": 5, "minute": 18}
